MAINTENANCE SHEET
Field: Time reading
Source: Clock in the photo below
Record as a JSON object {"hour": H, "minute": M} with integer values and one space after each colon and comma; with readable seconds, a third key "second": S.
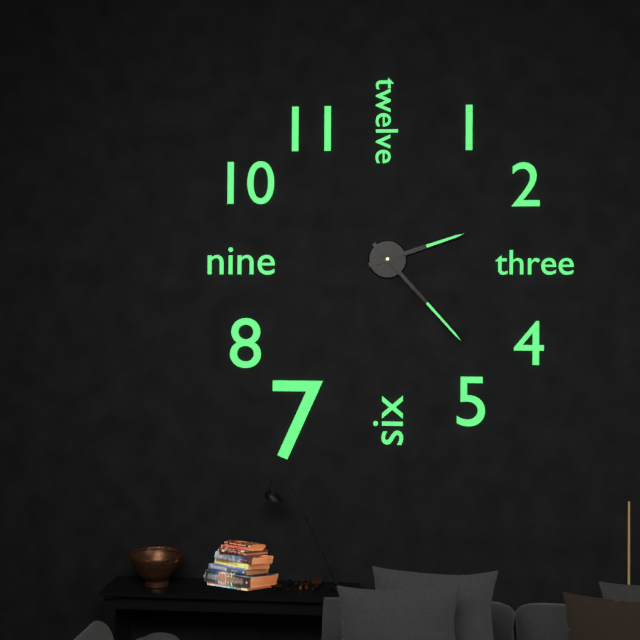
{"hour": 2, "minute": 23}
